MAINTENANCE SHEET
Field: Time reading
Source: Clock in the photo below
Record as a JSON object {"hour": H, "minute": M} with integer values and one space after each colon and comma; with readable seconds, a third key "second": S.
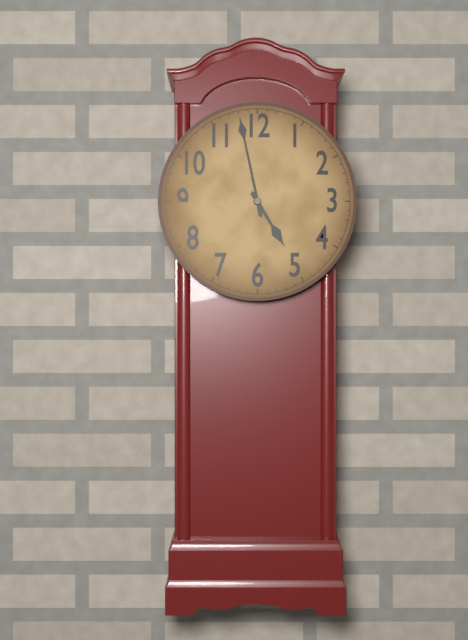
{"hour": 4, "minute": 58}
